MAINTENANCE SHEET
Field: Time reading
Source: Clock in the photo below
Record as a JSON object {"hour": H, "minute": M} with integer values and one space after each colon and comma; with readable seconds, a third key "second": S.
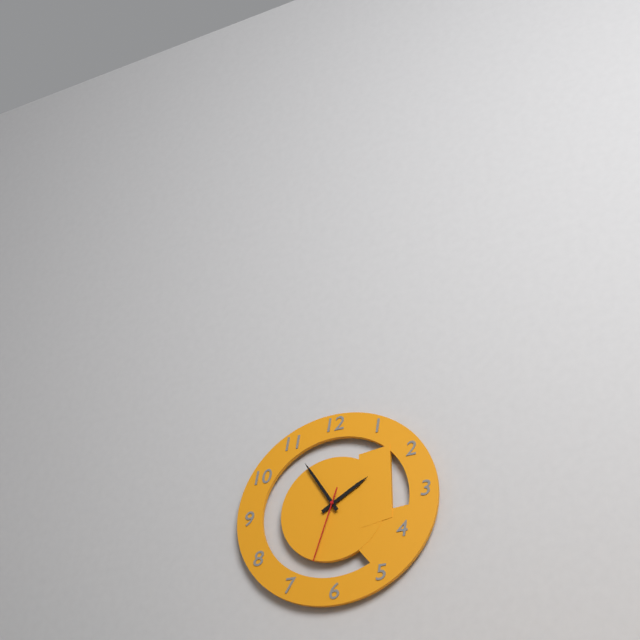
{"hour": 1, "minute": 55, "second": 33}
